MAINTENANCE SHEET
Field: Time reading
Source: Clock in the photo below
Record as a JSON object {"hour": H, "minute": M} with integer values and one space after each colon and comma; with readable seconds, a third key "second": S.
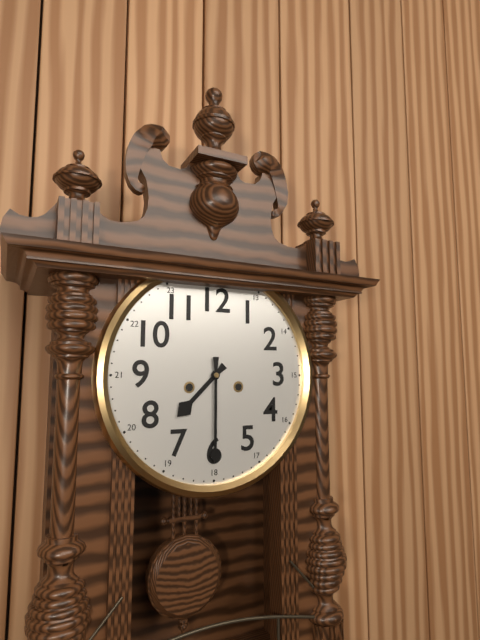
{"hour": 7, "minute": 30}
